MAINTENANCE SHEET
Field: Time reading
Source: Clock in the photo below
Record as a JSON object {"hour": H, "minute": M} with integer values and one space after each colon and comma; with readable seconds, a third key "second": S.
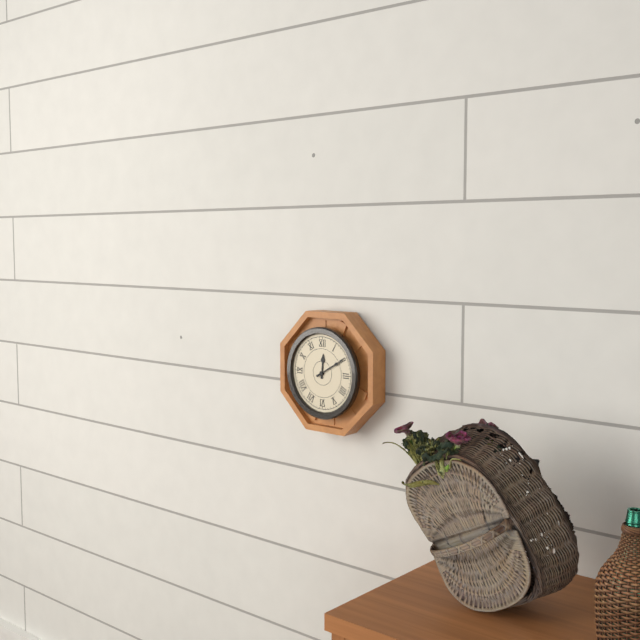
{"hour": 12, "minute": 10}
